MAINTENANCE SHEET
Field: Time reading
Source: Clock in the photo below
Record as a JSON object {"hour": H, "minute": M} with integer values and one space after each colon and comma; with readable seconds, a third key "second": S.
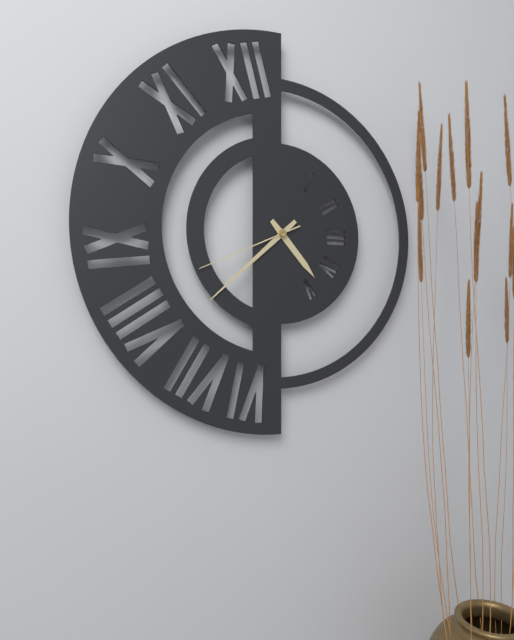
{"hour": 4, "minute": 38, "second": 41}
